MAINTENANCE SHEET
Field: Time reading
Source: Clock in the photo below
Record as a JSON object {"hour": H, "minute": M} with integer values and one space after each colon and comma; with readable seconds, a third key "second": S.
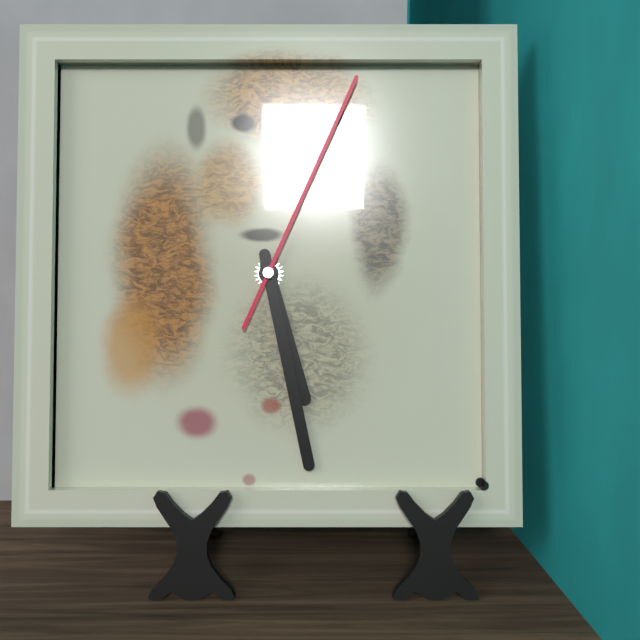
{"hour": 5, "minute": 28, "second": 4}
